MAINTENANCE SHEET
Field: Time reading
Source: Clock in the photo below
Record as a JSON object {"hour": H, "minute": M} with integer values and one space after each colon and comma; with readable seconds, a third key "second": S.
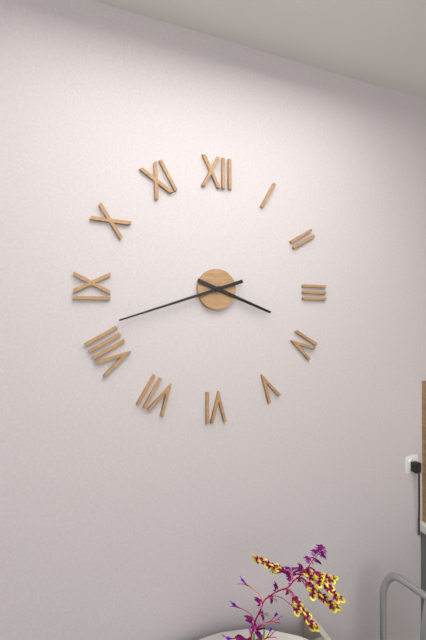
{"hour": 3, "minute": 42}
